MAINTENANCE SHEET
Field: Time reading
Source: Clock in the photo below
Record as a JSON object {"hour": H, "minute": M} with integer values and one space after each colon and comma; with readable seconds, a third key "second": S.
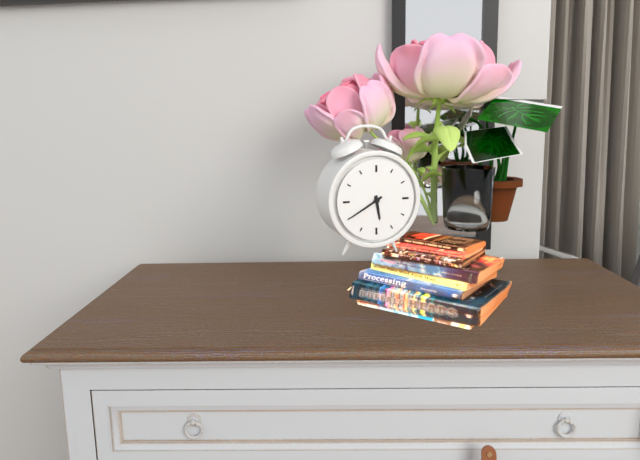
{"hour": 5, "minute": 40}
